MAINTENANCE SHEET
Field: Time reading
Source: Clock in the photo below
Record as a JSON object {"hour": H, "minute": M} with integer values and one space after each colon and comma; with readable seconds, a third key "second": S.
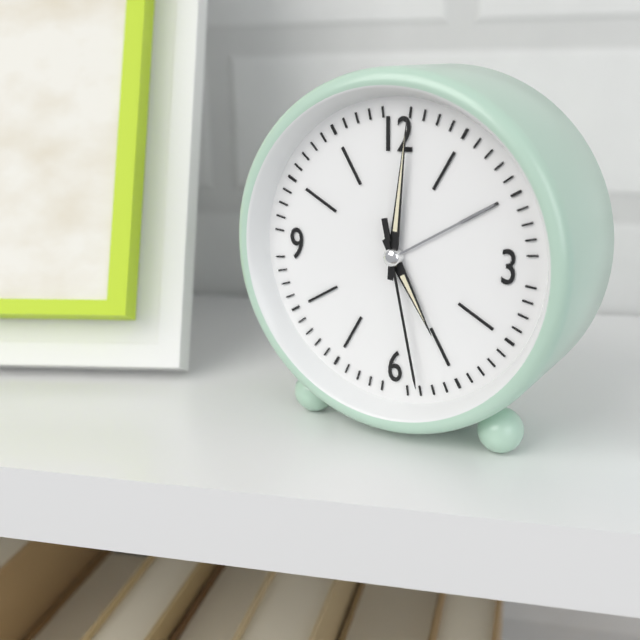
{"hour": 5, "minute": 1, "second": 28}
